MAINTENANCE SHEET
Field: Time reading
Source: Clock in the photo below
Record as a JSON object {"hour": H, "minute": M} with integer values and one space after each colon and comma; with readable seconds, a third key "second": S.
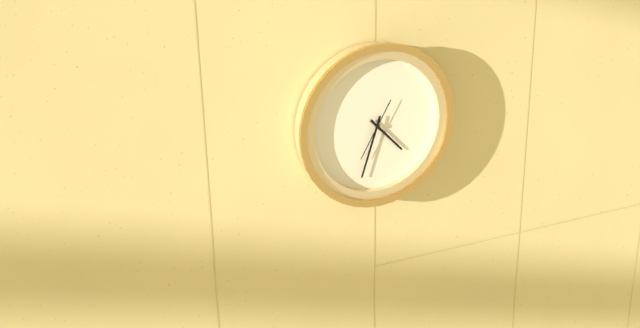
{"hour": 4, "minute": 33}
